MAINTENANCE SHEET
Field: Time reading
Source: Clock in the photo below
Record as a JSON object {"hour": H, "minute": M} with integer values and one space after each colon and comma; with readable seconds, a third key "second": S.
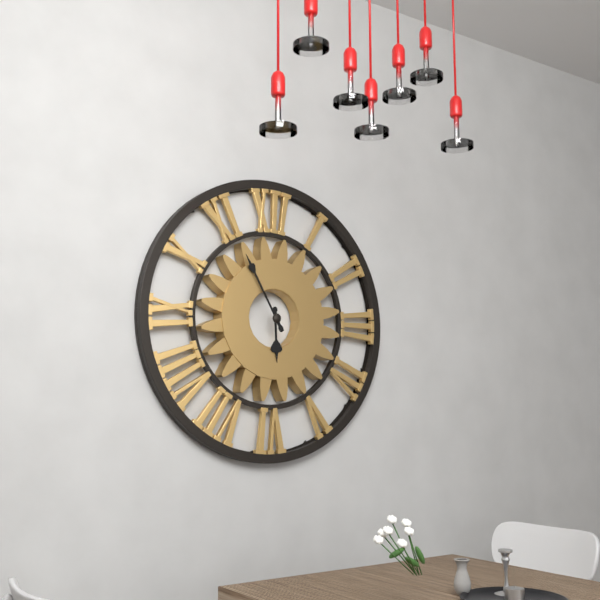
{"hour": 5, "minute": 55}
